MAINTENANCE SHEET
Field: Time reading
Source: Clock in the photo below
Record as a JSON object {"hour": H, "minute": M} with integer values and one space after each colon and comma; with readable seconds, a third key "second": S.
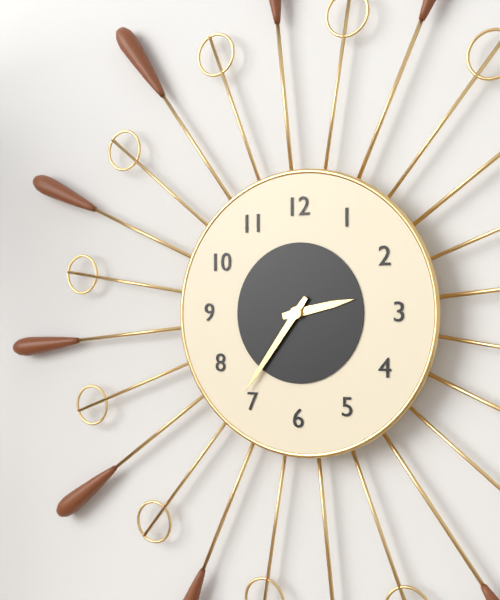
{"hour": 2, "minute": 36}
